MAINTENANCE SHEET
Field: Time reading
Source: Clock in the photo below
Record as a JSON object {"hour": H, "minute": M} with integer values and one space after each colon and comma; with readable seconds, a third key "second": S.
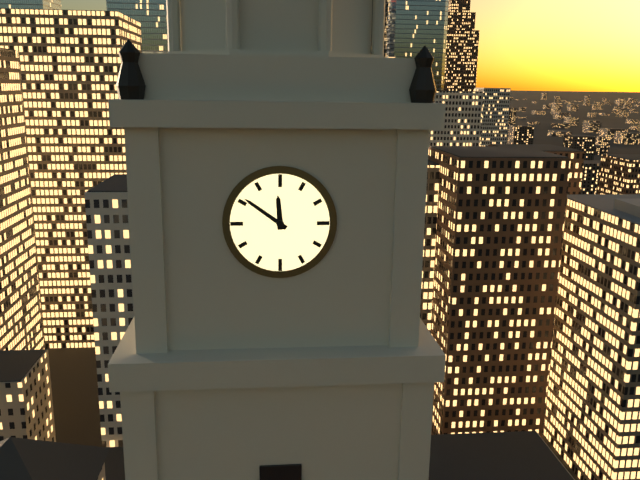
{"hour": 11, "minute": 51}
